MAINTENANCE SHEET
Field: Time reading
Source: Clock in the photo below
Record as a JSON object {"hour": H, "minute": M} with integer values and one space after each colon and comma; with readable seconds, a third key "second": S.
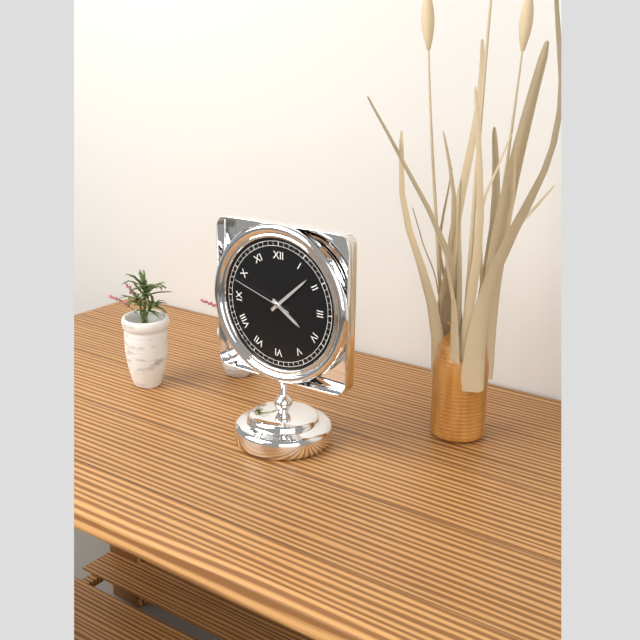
{"hour": 4, "minute": 8, "second": 48}
